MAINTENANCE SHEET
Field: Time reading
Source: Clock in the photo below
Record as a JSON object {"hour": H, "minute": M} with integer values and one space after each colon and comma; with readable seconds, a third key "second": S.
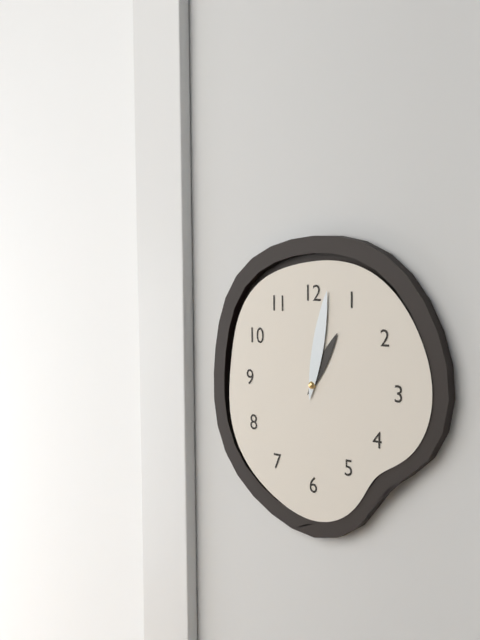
{"hour": 1, "minute": 2}
